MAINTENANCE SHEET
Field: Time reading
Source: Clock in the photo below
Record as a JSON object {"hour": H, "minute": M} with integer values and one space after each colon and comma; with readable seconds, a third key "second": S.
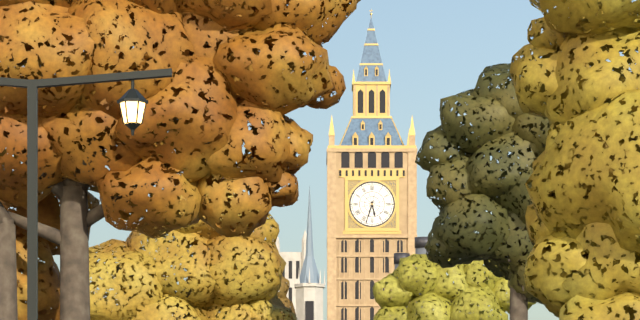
{"hour": 5, "minute": 33}
